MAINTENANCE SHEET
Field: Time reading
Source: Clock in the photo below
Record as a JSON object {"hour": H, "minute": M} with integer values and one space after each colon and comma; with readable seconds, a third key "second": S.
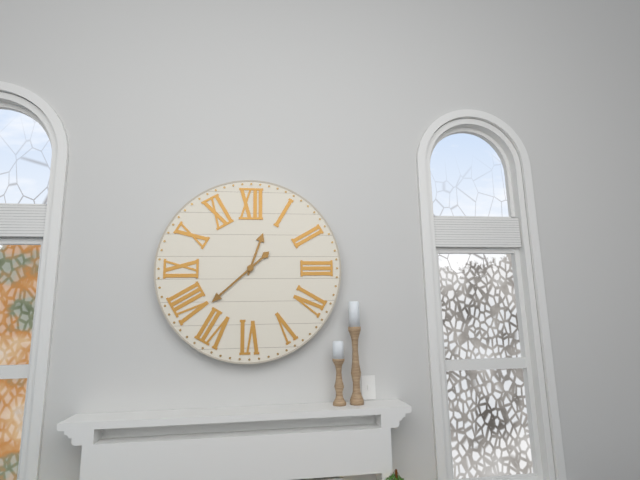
{"hour": 12, "minute": 38}
